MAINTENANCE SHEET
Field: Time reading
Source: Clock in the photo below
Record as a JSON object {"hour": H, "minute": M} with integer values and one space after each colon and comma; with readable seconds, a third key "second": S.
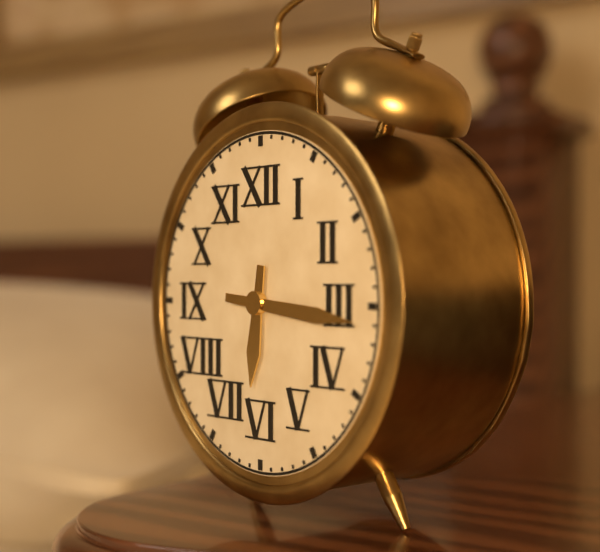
{"hour": 6, "minute": 16}
